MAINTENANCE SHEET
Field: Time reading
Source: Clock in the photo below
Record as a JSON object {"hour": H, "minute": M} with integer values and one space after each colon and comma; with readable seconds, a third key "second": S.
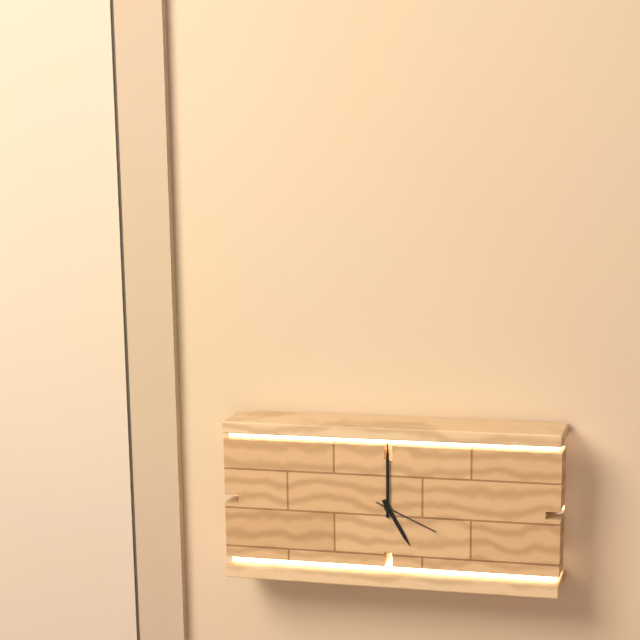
{"hour": 5, "minute": 0, "second": 19}
